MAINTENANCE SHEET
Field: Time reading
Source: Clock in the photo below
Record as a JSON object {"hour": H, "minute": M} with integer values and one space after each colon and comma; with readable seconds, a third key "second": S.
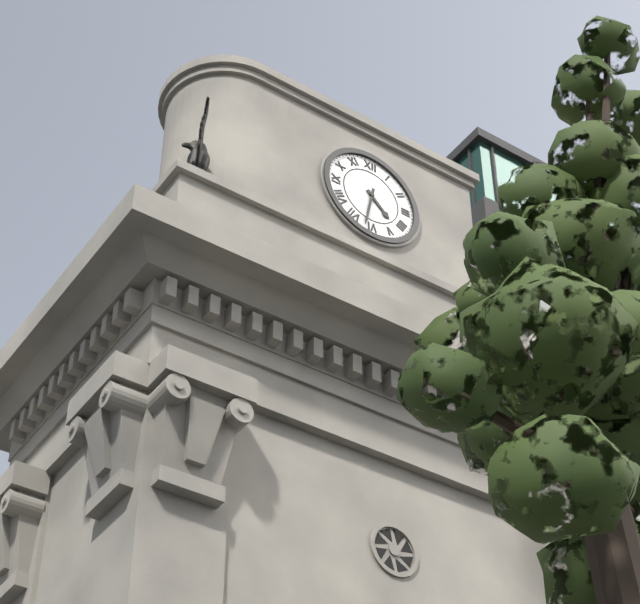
{"hour": 4, "minute": 32}
